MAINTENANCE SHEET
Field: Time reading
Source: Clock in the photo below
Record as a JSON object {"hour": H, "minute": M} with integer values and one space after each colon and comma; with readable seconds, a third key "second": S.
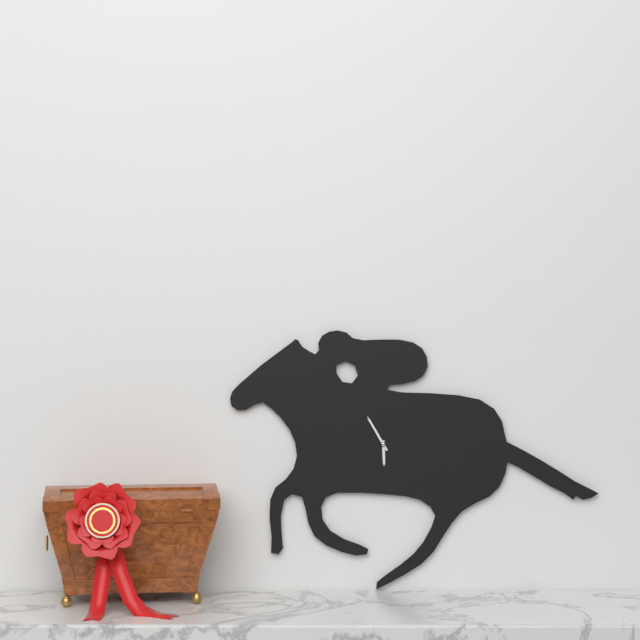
{"hour": 5, "minute": 55}
